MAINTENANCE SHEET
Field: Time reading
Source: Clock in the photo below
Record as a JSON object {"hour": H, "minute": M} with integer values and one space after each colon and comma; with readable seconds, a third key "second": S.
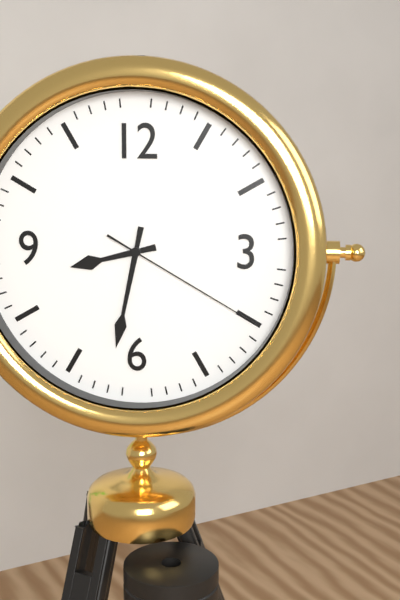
{"hour": 8, "minute": 32, "second": 20}
